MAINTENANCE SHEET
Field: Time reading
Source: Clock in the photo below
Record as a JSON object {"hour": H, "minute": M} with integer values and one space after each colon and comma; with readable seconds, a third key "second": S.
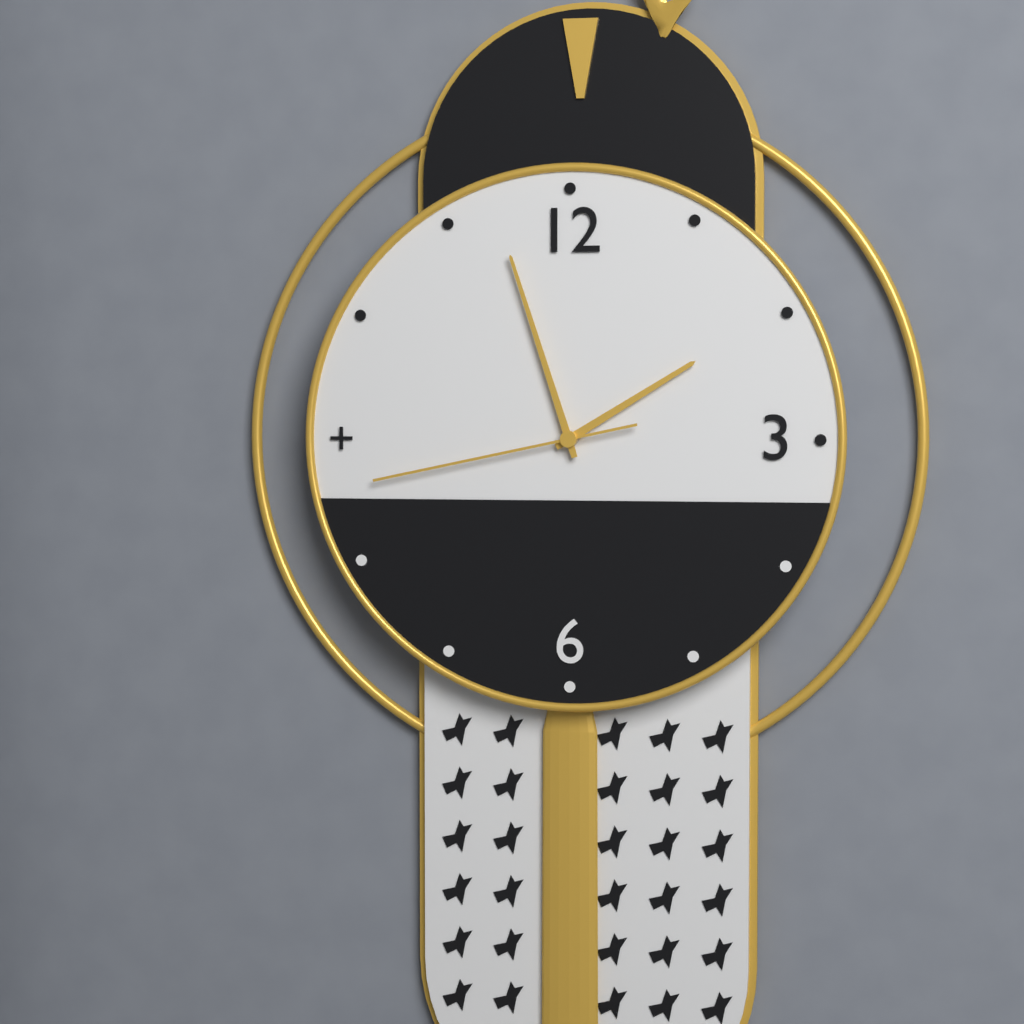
{"hour": 1, "minute": 57, "second": 43}
